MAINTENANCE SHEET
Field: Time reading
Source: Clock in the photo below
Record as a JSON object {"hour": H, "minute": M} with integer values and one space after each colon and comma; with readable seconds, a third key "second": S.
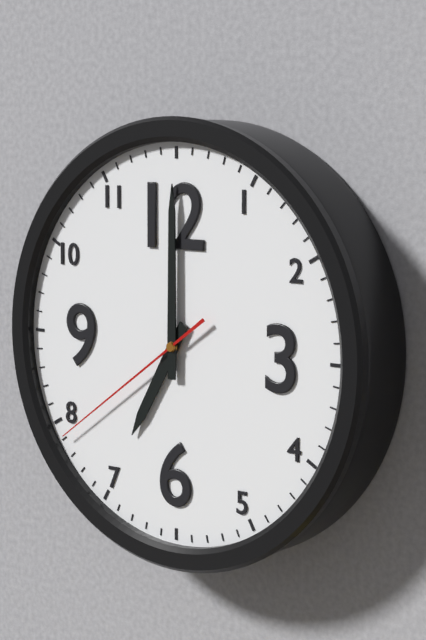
{"hour": 7, "minute": 0, "second": 39}
